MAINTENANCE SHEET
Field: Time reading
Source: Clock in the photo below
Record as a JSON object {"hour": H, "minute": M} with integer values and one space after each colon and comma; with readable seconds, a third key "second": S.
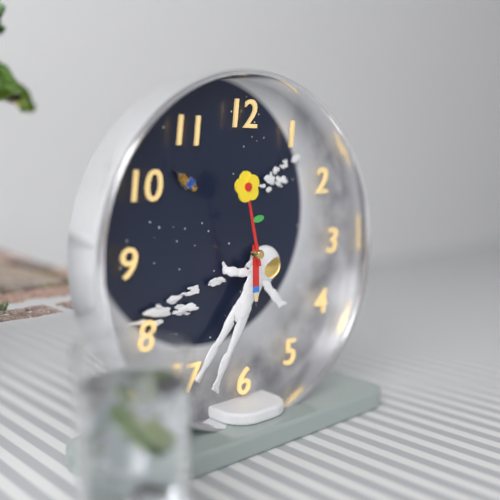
{"hour": 5, "minute": 58}
